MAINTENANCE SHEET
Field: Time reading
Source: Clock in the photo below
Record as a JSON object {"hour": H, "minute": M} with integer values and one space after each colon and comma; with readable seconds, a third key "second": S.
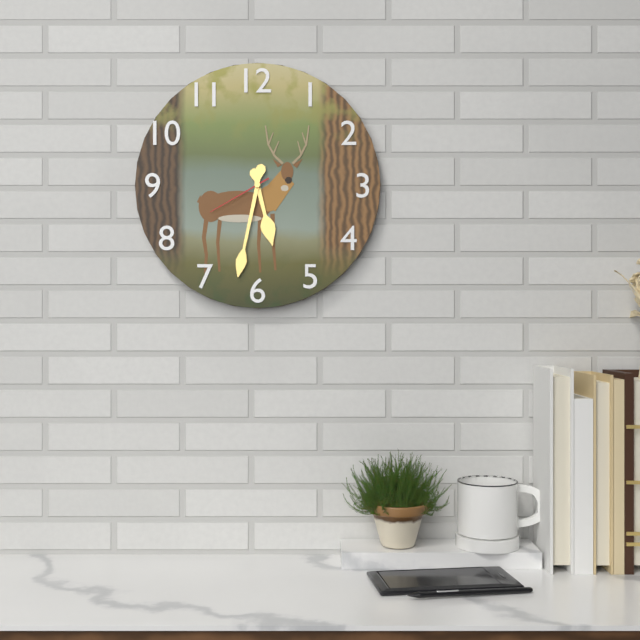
{"hour": 5, "minute": 32, "second": 40}
